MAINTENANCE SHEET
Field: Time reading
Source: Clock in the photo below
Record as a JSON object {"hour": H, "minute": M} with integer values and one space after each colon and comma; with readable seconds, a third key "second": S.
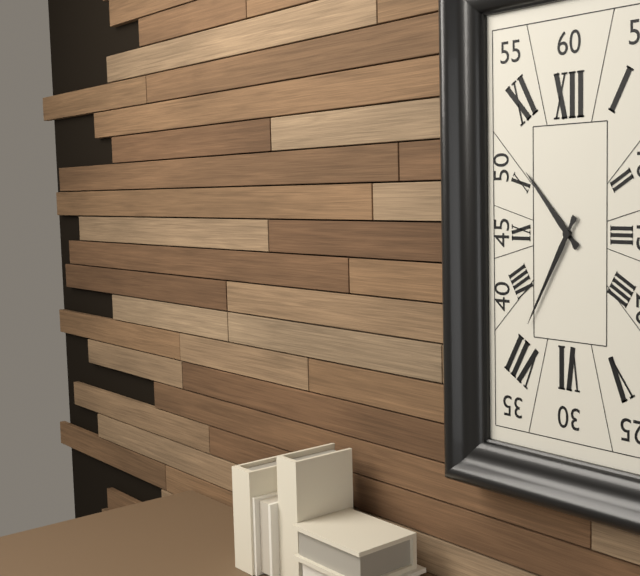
{"hour": 10, "minute": 35}
